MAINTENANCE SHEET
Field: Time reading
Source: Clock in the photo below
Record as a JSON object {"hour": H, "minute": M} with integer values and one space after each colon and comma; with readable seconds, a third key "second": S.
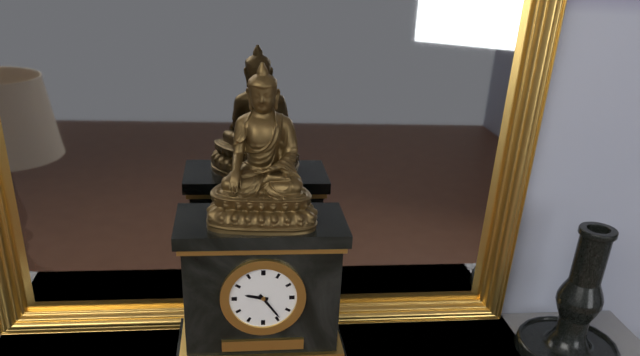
{"hour": 9, "minute": 24}
